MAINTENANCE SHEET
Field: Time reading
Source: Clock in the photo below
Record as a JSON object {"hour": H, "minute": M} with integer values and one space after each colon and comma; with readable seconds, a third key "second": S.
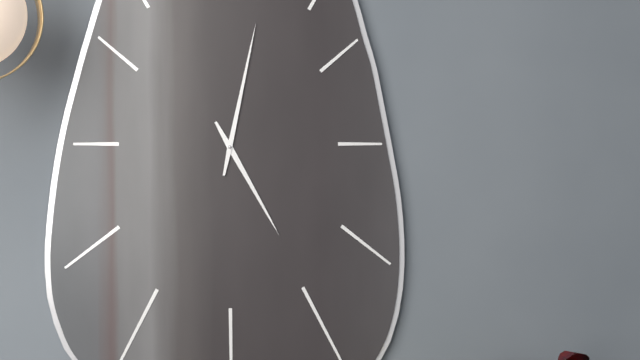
{"hour": 5, "minute": 2}
